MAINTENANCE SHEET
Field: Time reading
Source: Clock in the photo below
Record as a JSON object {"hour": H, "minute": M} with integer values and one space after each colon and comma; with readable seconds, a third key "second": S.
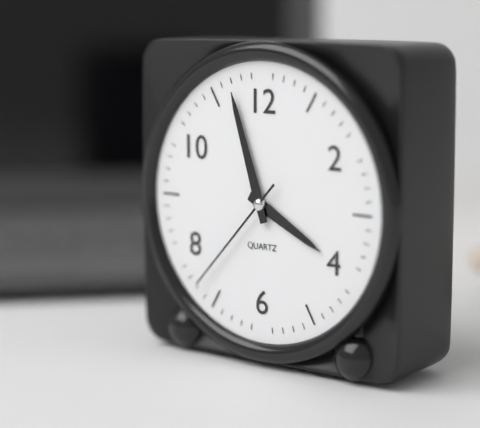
{"hour": 3, "minute": 57, "second": 37}
